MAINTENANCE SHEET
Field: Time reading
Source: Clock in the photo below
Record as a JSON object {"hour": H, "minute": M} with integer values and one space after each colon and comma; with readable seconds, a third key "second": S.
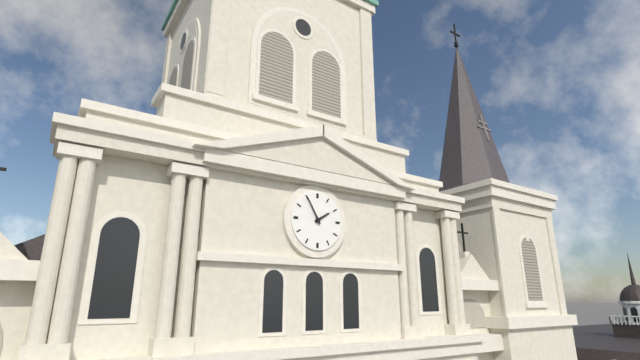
{"hour": 1, "minute": 55}
